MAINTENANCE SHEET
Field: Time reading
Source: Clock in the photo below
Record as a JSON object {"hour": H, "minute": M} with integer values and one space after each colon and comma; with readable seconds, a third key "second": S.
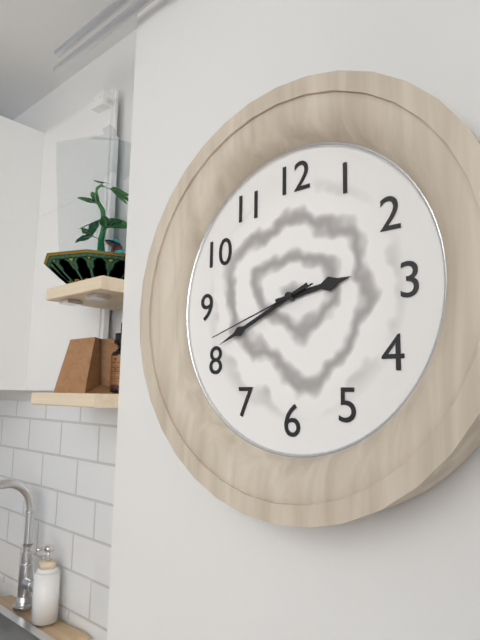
{"hour": 2, "minute": 41, "second": 42}
